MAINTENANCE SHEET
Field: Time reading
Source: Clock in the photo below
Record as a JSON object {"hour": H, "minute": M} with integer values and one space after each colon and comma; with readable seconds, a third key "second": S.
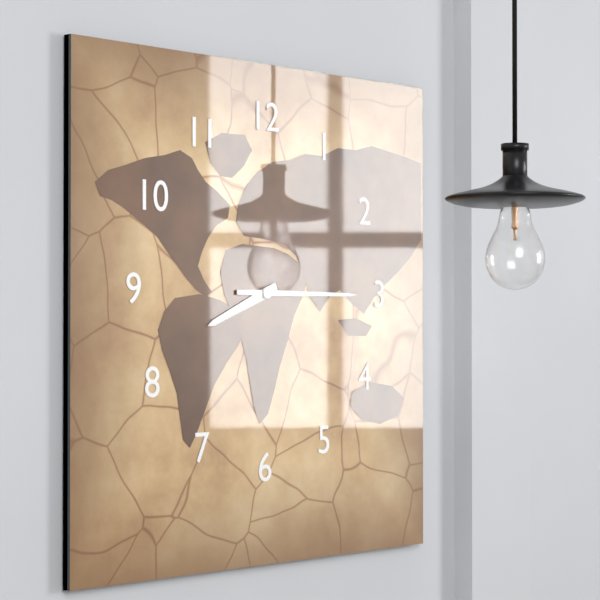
{"hour": 8, "minute": 15}
